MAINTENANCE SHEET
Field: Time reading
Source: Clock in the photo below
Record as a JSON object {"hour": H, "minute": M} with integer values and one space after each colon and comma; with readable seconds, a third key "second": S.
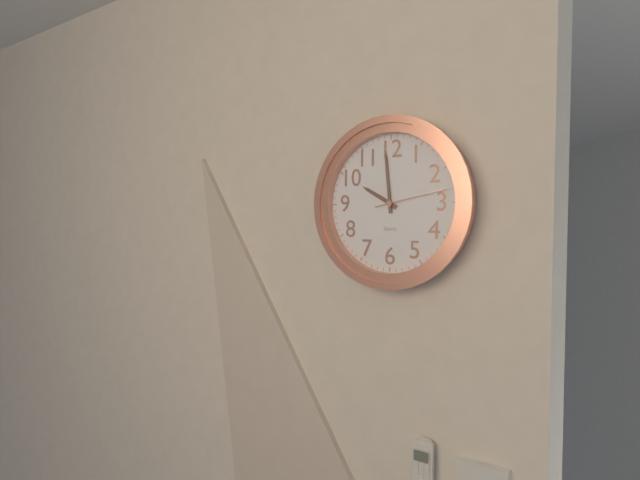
{"hour": 9, "minute": 59, "second": 13}
